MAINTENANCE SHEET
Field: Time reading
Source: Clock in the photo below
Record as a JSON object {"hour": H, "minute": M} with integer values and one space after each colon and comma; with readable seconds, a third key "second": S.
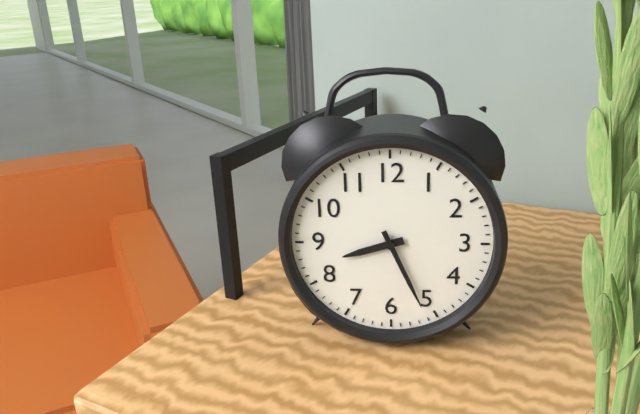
{"hour": 8, "minute": 26}
